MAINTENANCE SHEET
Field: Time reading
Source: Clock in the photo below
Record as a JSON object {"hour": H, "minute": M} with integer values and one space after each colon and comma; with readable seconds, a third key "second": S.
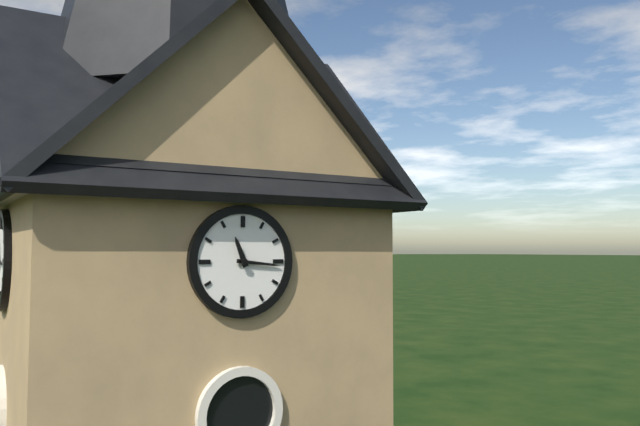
{"hour": 11, "minute": 16}
